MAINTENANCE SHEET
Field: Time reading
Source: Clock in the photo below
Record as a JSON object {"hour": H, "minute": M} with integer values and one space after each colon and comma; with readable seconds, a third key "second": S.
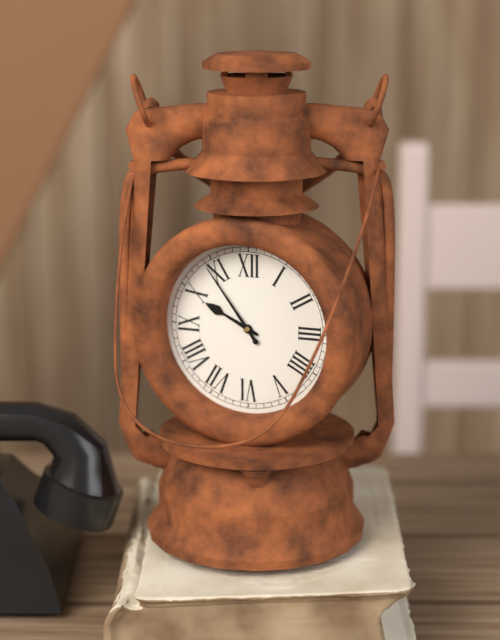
{"hour": 9, "minute": 54}
